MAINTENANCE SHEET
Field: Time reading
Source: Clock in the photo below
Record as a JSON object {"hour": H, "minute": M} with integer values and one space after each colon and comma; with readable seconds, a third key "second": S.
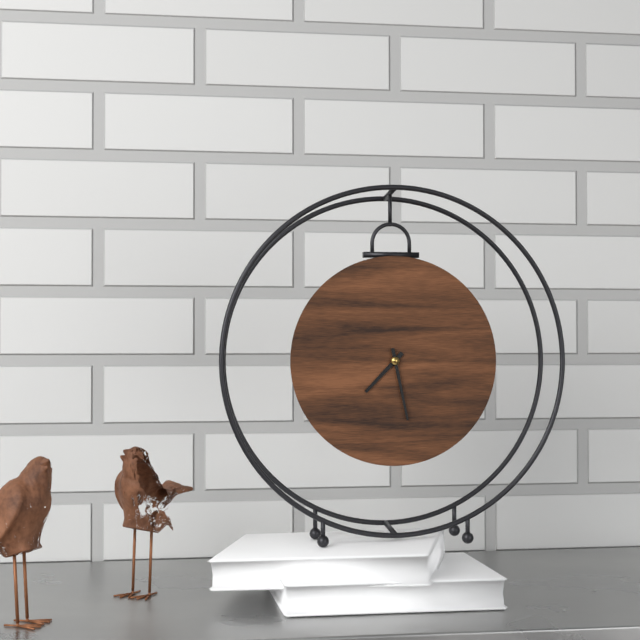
{"hour": 7, "minute": 28}
